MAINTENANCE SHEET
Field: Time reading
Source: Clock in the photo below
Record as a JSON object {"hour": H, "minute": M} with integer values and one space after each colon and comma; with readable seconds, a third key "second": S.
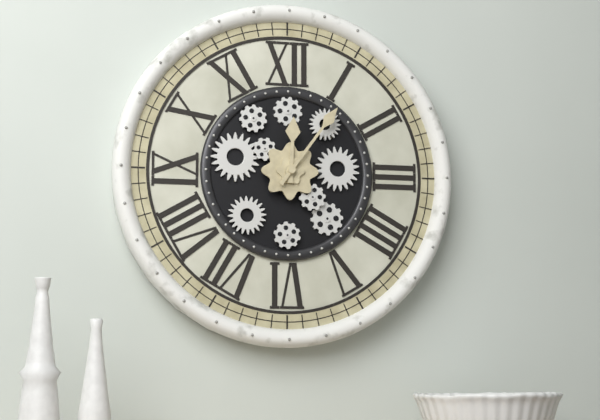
{"hour": 12, "minute": 6}
